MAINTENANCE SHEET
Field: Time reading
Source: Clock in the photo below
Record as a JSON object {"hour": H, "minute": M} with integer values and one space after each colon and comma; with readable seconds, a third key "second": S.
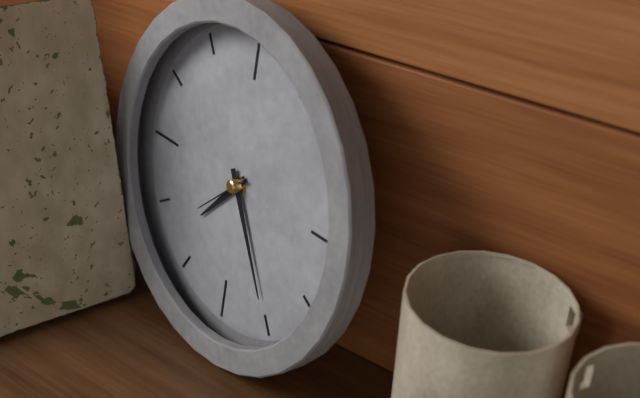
{"hour": 7, "minute": 25, "second": 38}
